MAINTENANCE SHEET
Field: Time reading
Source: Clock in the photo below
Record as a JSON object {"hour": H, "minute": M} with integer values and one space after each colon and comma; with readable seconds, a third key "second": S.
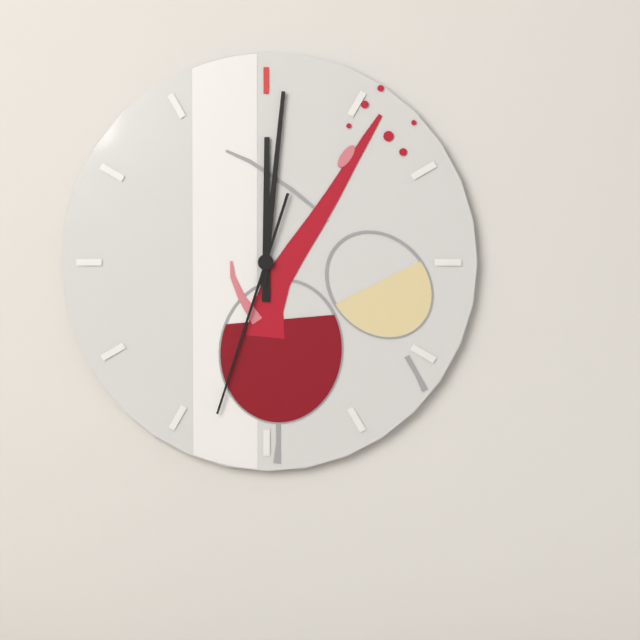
{"hour": 12, "minute": 1, "second": 33}
